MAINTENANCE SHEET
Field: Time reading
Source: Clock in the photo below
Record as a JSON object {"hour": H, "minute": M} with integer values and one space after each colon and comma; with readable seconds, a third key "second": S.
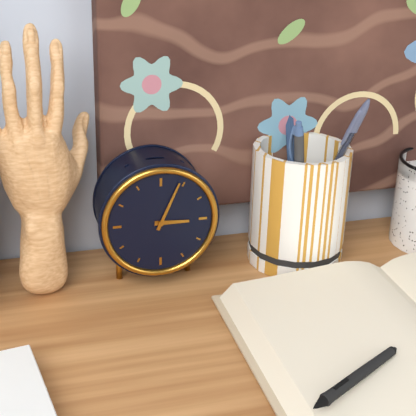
{"hour": 3, "minute": 4}
